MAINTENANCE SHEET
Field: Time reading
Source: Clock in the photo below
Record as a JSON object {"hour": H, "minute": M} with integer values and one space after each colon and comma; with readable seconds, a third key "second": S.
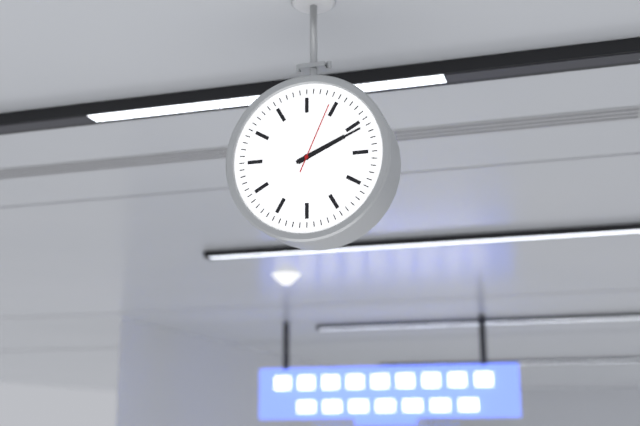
{"hour": 2, "minute": 11, "second": 4}
